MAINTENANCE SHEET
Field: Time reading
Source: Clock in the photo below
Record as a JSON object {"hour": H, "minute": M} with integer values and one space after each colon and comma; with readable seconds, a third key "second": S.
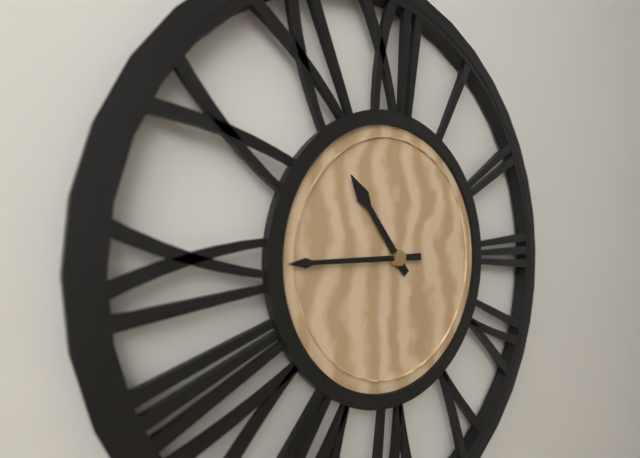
{"hour": 10, "minute": 45}
